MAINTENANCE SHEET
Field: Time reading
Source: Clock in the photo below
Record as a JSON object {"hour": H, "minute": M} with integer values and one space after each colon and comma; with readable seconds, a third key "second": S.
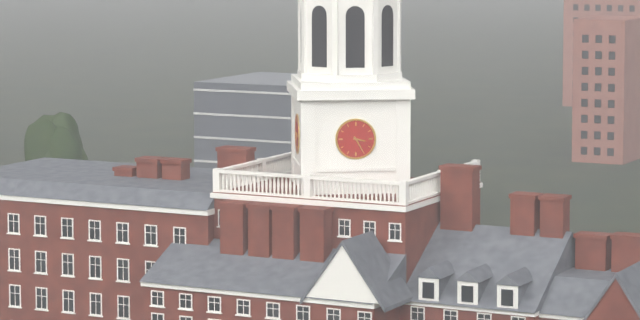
{"hour": 3, "minute": 25}
